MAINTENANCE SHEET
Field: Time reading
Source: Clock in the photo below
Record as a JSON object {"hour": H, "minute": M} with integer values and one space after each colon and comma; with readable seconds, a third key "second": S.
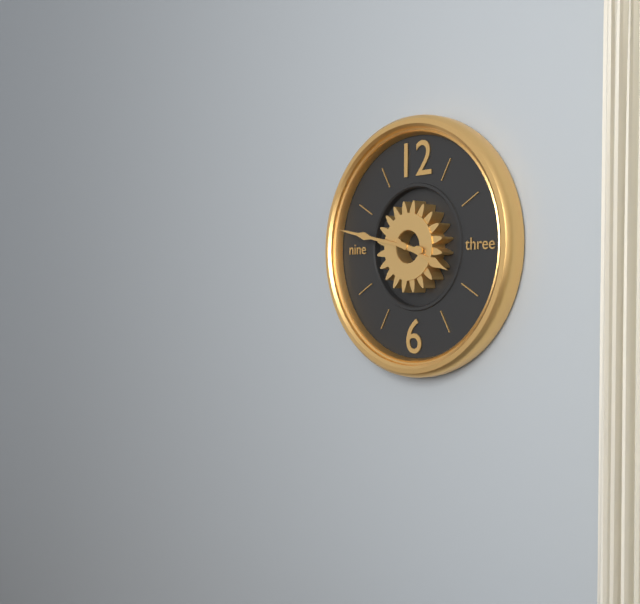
{"hour": 3, "minute": 47}
